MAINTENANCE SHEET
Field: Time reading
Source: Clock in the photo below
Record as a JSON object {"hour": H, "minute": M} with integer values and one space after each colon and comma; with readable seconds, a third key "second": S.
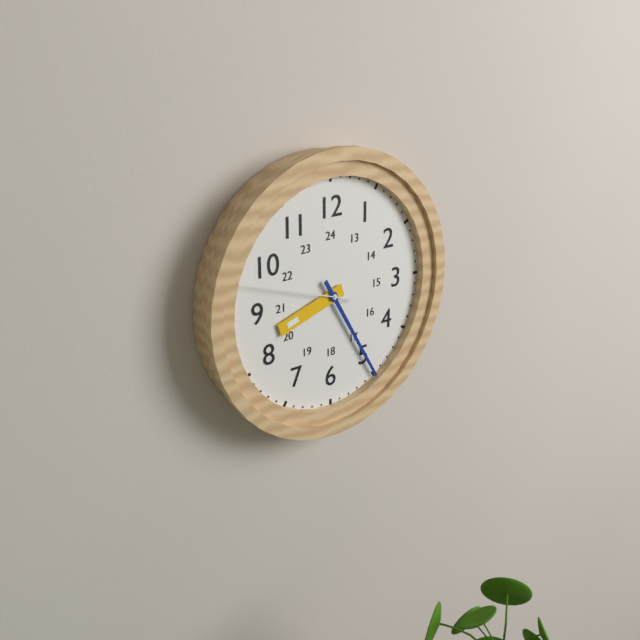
{"hour": 8, "minute": 25, "second": 48}
